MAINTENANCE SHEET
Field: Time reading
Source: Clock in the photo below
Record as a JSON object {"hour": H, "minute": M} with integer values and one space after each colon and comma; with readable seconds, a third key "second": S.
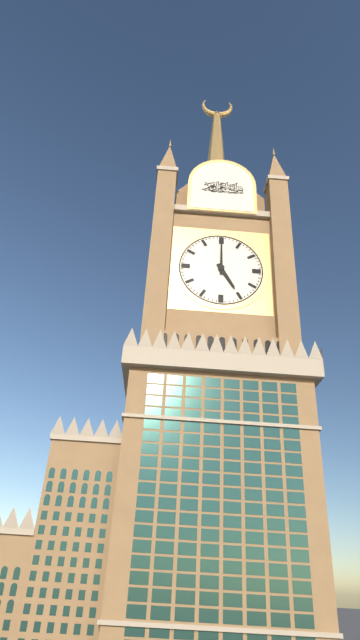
{"hour": 5, "minute": 0}
